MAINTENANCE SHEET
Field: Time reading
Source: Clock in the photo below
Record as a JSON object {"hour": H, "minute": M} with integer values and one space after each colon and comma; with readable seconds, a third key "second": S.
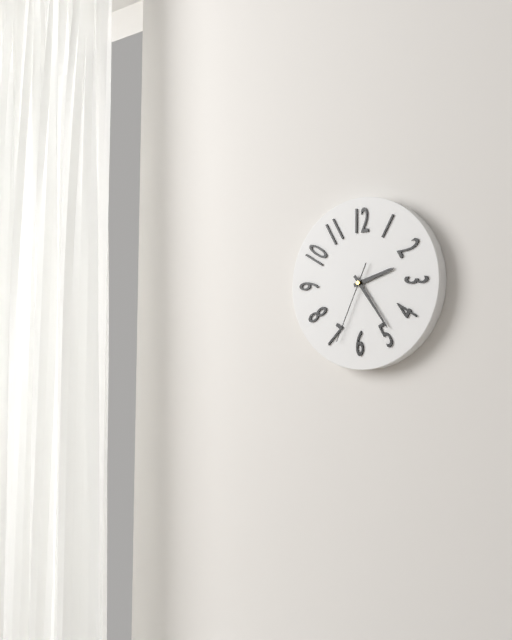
{"hour": 2, "minute": 24, "second": 34}
